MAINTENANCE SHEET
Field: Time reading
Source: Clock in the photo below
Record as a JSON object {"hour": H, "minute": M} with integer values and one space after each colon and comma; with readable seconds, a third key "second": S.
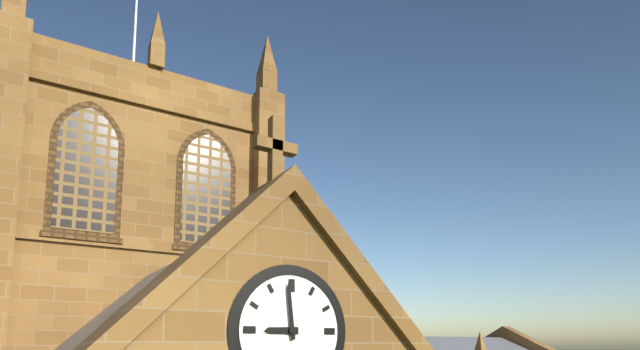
{"hour": 8, "minute": 59}
